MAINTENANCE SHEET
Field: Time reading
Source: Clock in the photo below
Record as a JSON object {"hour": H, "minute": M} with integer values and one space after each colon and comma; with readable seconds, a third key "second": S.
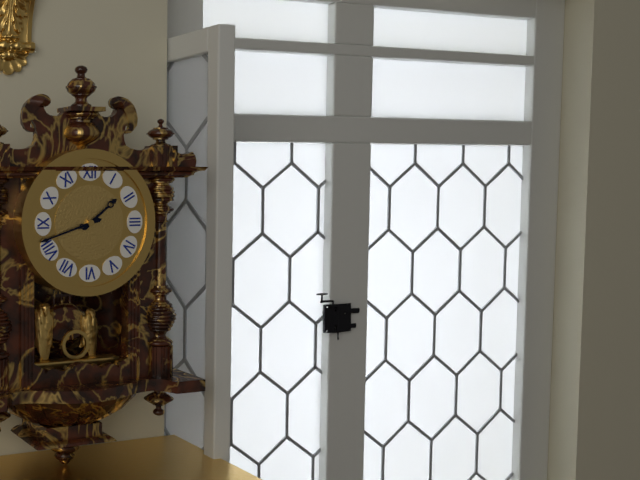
{"hour": 1, "minute": 42}
